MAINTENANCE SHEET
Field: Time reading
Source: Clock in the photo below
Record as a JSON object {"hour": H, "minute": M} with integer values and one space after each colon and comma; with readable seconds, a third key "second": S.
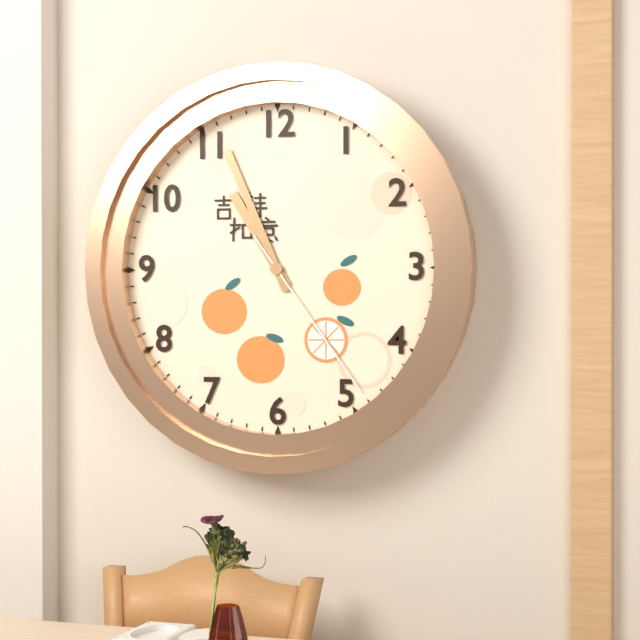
{"hour": 10, "minute": 56, "second": 24}
